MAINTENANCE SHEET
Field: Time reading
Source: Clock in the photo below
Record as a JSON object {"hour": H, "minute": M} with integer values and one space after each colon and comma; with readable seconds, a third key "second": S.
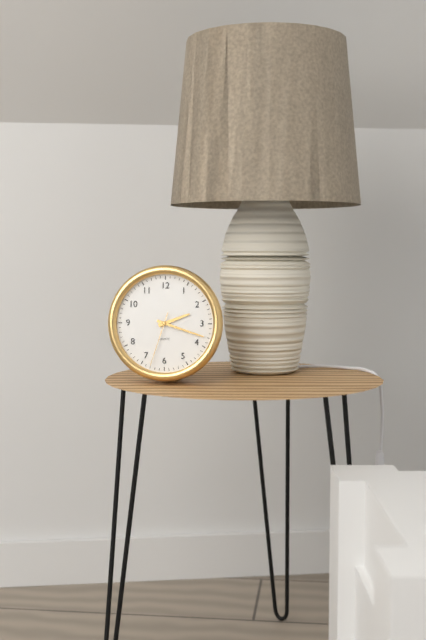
{"hour": 2, "minute": 18, "second": 33}
